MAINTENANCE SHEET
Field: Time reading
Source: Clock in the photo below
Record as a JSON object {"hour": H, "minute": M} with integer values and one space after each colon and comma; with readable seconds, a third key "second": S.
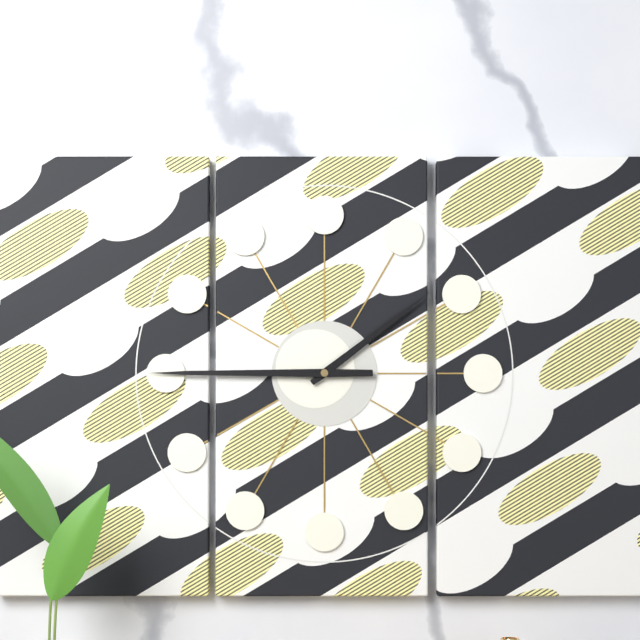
{"hour": 1, "minute": 45}
